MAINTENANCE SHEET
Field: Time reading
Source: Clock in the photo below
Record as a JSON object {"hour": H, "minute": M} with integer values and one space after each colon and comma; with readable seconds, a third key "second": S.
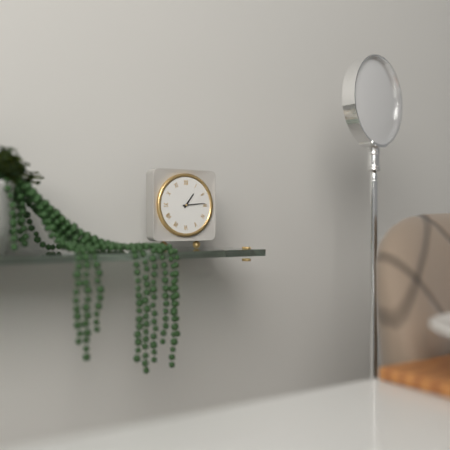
{"hour": 1, "minute": 14}
